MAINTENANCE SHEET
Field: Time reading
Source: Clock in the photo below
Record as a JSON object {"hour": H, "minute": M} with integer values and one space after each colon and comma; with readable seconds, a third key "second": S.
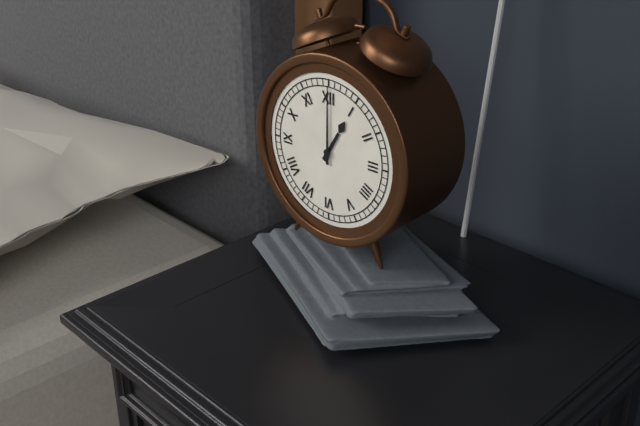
{"hour": 1, "minute": 0}
